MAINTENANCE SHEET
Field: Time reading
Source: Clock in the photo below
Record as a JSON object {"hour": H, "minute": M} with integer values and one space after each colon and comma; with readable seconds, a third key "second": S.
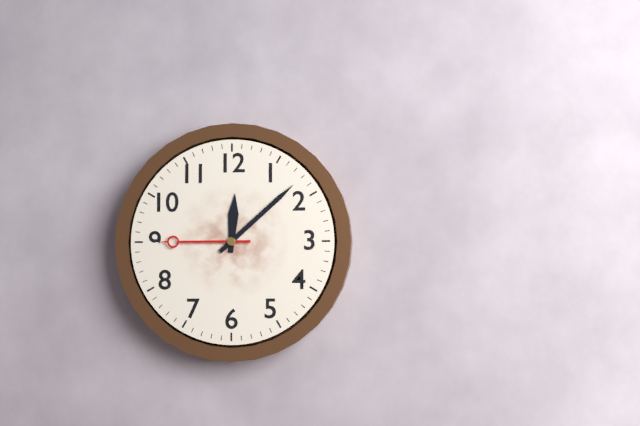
{"hour": 12, "minute": 8, "second": 45}
